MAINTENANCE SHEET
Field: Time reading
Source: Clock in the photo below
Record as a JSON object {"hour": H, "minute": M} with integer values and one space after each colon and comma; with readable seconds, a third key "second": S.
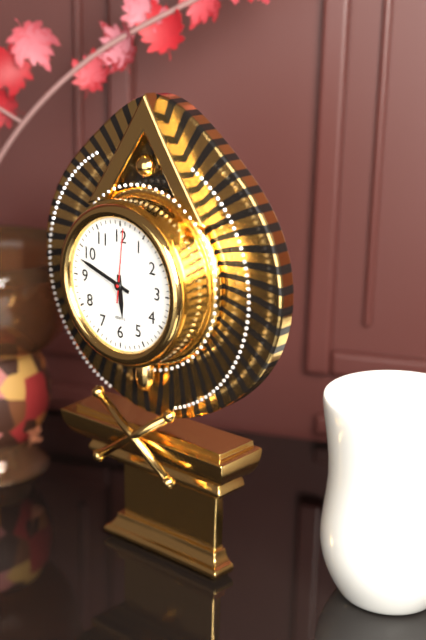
{"hour": 5, "minute": 48, "second": 1}
